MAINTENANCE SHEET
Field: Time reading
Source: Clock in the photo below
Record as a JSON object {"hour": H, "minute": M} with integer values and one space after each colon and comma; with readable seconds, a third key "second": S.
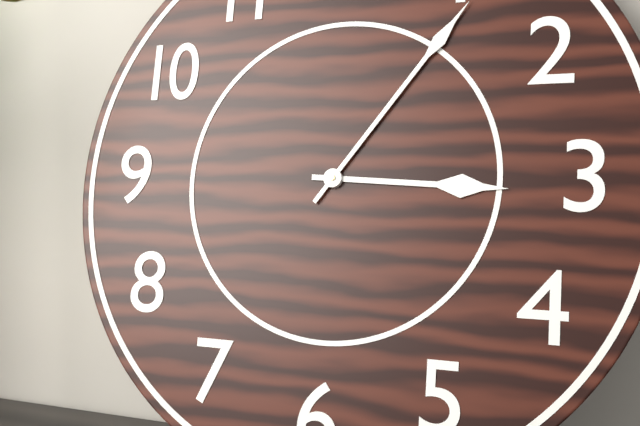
{"hour": 3, "minute": 6}
